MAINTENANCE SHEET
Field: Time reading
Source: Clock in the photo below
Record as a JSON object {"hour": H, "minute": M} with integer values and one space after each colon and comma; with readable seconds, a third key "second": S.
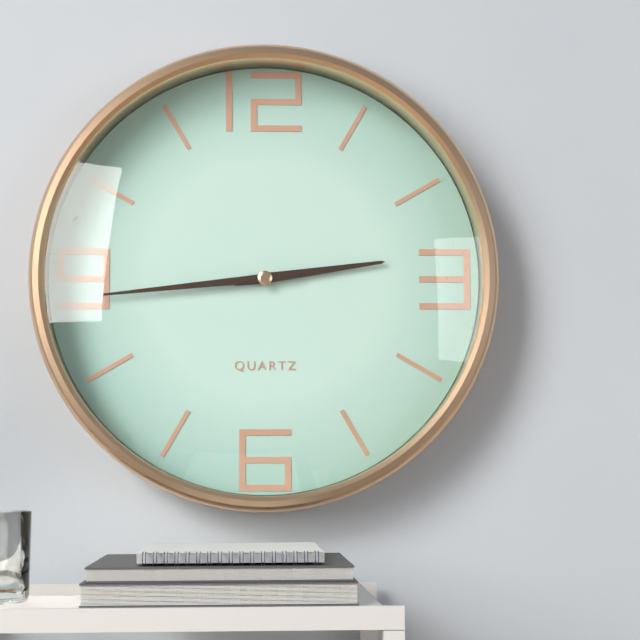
{"hour": 2, "minute": 44}
